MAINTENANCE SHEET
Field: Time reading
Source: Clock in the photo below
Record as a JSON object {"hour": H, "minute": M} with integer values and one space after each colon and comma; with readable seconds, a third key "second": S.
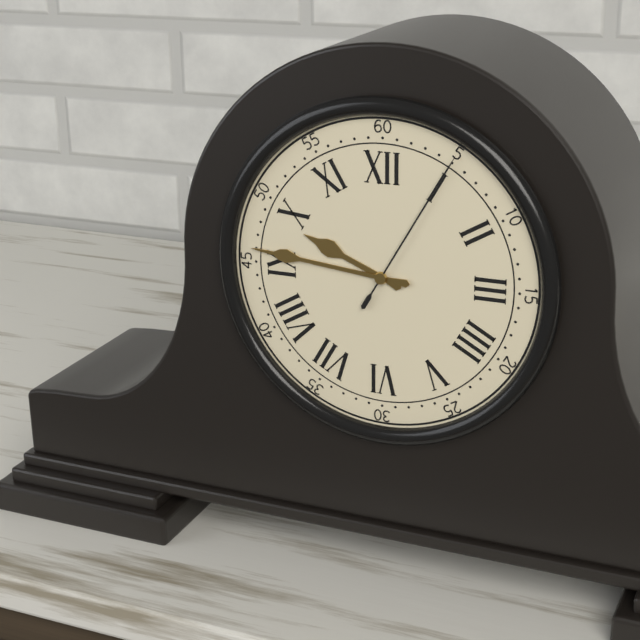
{"hour": 9, "minute": 46, "second": 5}
